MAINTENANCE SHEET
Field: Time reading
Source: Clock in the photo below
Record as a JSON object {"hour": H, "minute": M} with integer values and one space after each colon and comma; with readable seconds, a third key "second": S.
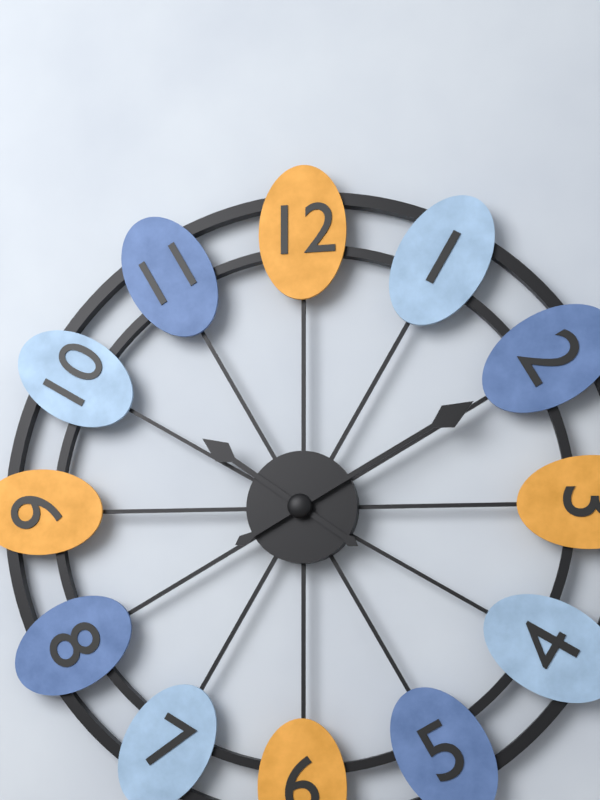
{"hour": 10, "minute": 10}
